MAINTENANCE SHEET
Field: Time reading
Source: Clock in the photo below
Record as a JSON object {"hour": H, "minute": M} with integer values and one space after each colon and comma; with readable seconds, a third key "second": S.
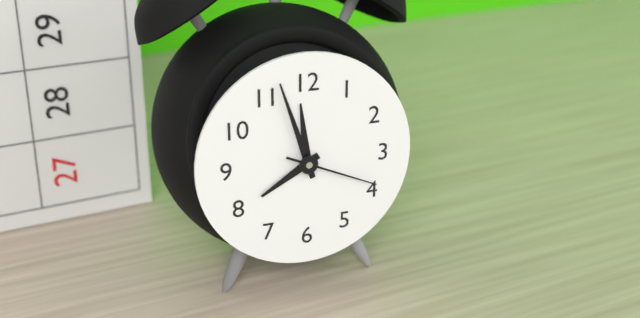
{"hour": 7, "minute": 57, "second": 19}
